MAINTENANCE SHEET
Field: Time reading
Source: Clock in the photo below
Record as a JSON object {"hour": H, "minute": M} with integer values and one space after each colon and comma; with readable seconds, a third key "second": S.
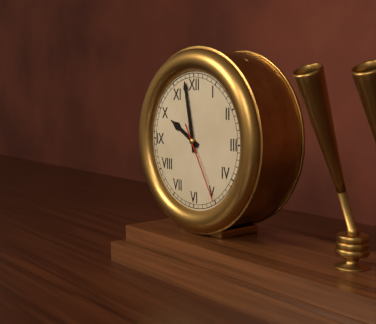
{"hour": 9, "minute": 58, "second": 25}
